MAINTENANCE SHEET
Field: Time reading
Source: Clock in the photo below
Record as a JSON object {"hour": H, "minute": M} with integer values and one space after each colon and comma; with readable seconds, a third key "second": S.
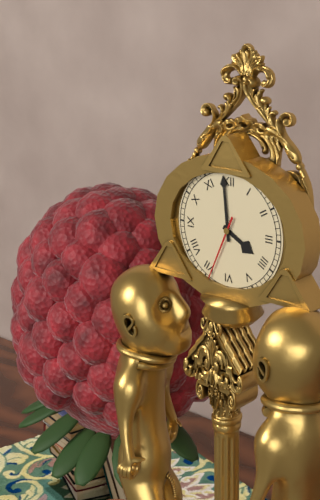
{"hour": 3, "minute": 59, "second": 34}
